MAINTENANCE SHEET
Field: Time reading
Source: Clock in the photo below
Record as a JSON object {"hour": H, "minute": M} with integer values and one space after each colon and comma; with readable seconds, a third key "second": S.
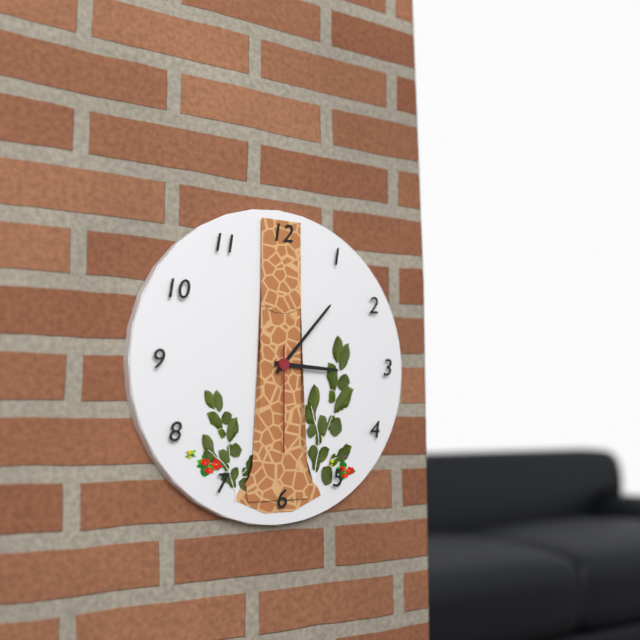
{"hour": 3, "minute": 7, "second": 30}
